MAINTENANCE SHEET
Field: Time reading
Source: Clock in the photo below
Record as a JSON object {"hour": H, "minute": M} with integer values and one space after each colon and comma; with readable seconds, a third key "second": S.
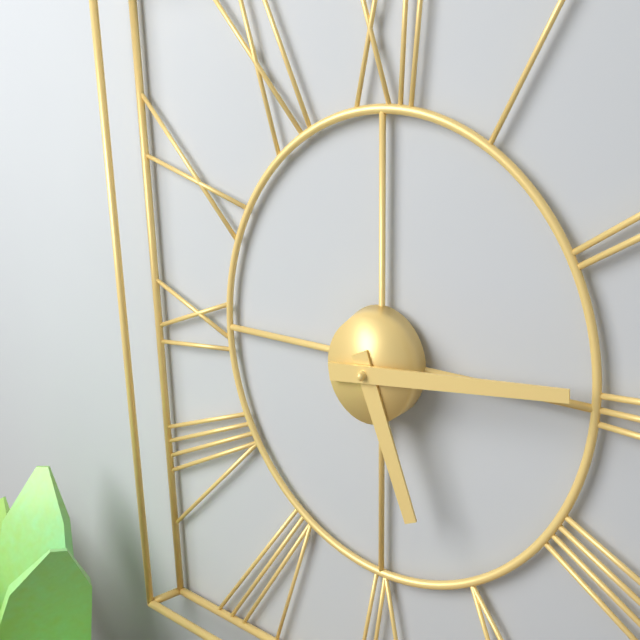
{"hour": 5, "minute": 14}
